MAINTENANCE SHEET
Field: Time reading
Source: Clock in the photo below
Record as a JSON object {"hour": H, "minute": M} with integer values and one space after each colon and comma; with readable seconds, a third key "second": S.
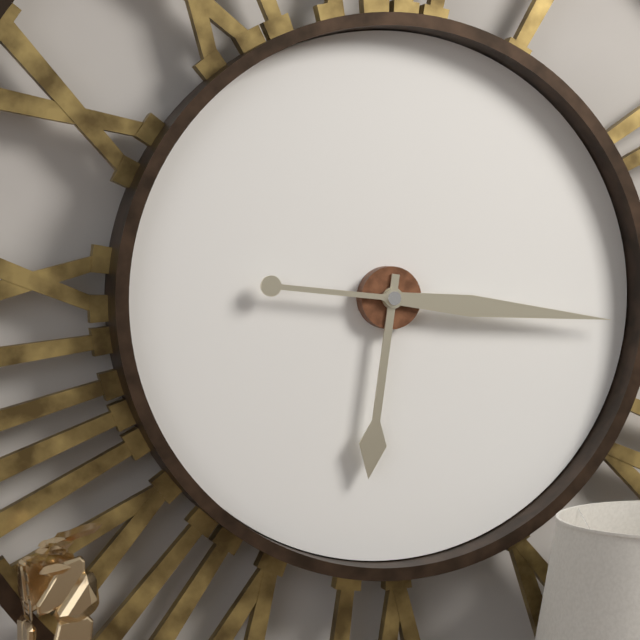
{"hour": 6, "minute": 16}
